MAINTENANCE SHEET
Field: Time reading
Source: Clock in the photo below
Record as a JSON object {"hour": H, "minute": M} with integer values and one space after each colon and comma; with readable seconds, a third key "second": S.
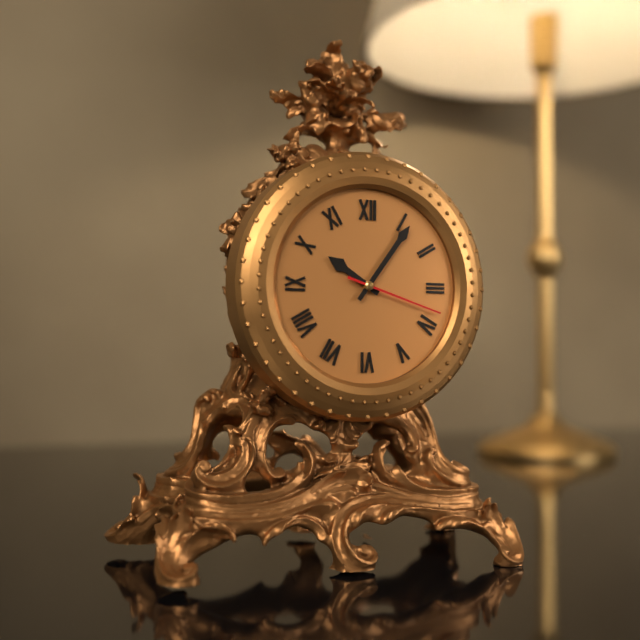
{"hour": 10, "minute": 6, "second": 18}
